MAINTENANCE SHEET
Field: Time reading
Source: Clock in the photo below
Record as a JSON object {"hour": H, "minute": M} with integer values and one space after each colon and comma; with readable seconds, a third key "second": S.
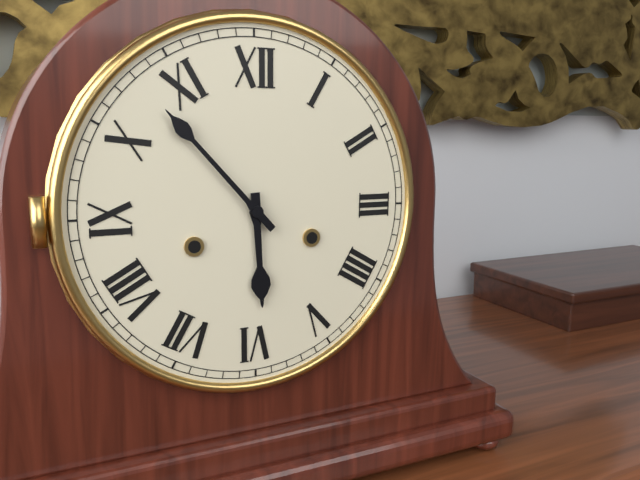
{"hour": 5, "minute": 53}
